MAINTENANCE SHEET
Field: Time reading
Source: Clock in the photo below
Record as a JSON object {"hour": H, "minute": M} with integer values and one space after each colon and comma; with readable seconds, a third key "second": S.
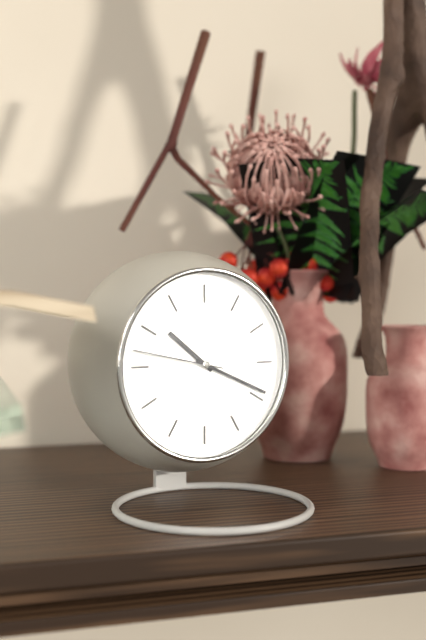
{"hour": 10, "minute": 19, "second": 47}
